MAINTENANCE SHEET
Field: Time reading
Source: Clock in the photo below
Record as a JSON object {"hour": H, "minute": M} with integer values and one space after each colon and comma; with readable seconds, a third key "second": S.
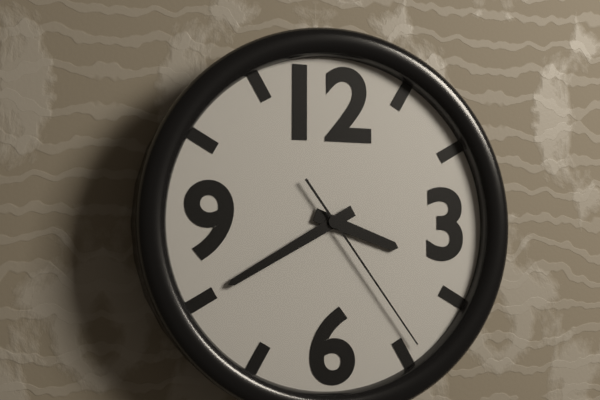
{"hour": 3, "minute": 40, "second": 24}
